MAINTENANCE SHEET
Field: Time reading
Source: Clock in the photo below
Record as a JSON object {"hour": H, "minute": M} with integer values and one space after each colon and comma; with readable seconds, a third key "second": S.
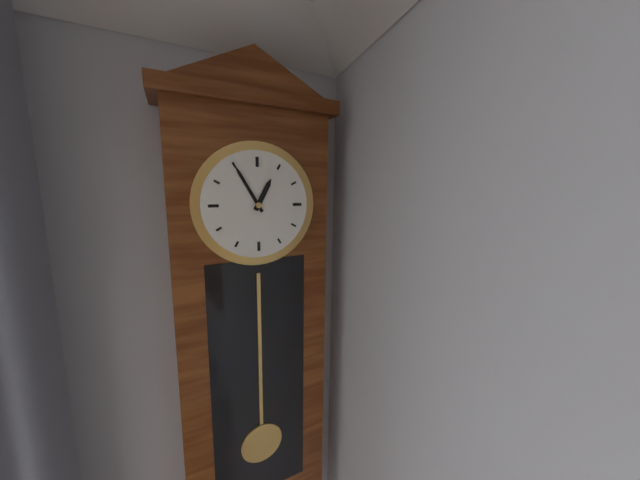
{"hour": 12, "minute": 55}
